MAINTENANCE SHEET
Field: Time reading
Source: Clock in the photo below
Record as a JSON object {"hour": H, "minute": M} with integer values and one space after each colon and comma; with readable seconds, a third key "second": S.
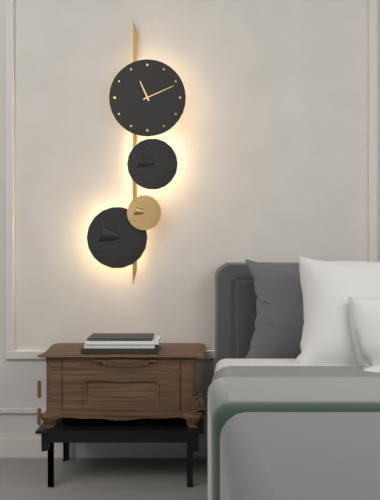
{"hour": 11, "minute": 11}
